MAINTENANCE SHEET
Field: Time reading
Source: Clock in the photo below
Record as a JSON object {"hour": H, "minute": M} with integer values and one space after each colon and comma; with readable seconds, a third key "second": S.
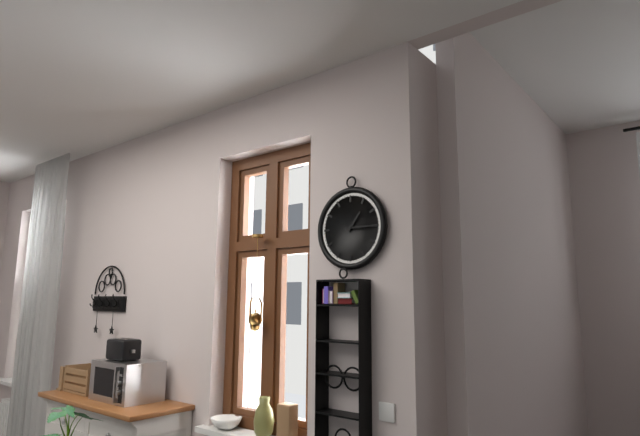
{"hour": 1, "minute": 15}
